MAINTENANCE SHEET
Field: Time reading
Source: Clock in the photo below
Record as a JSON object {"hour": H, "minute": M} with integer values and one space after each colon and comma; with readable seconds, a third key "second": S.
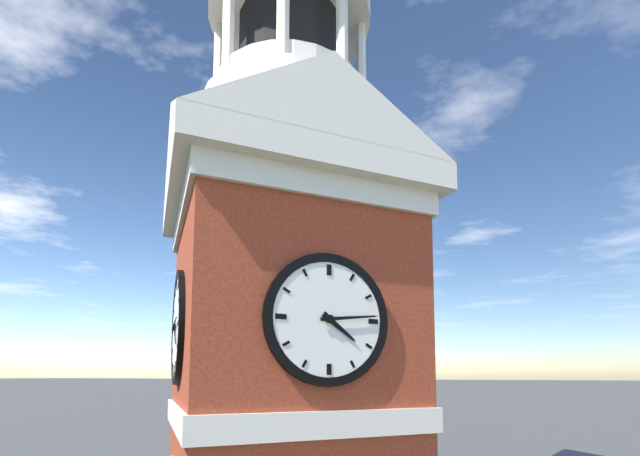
{"hour": 4, "minute": 14}
